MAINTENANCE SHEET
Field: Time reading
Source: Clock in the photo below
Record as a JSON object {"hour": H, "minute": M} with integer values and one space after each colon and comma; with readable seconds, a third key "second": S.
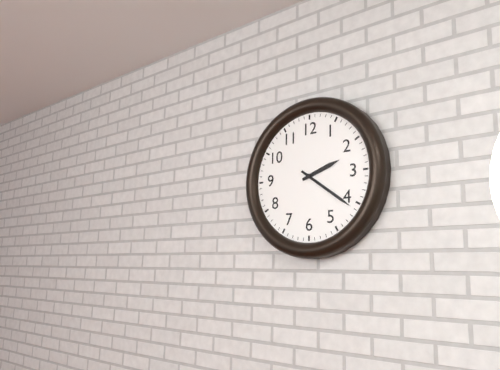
{"hour": 2, "minute": 21}
